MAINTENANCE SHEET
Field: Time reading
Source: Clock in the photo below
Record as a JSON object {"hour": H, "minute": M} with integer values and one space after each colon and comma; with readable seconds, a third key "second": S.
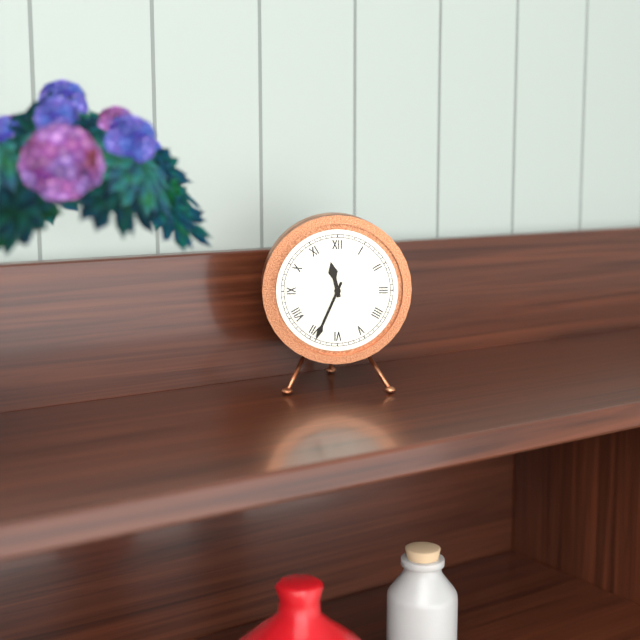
{"hour": 11, "minute": 34}
